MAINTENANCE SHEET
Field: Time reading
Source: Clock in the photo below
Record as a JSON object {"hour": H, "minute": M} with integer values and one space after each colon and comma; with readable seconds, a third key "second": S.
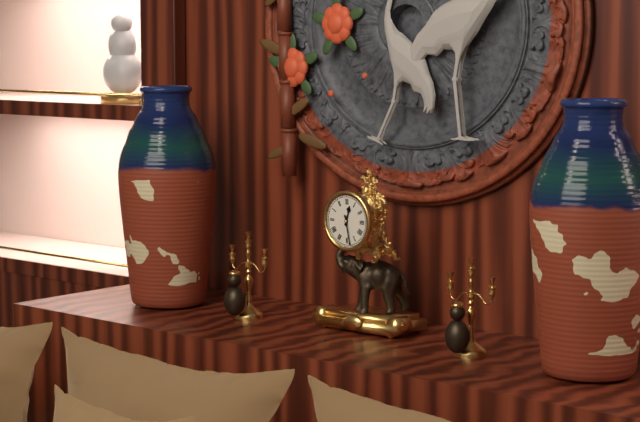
{"hour": 12, "minute": 28}
